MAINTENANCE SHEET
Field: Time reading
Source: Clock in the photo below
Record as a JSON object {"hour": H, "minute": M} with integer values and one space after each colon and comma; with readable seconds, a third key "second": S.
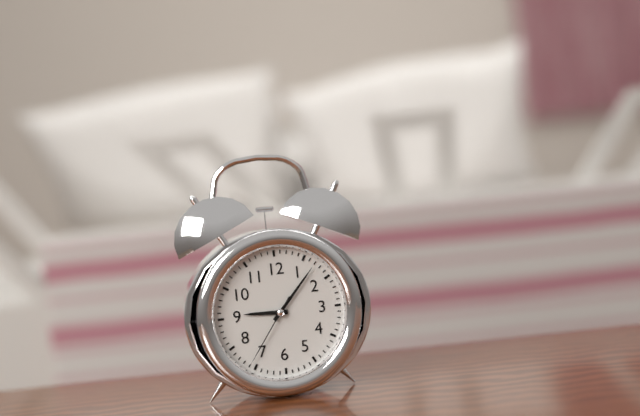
{"hour": 9, "minute": 7, "second": 36}
